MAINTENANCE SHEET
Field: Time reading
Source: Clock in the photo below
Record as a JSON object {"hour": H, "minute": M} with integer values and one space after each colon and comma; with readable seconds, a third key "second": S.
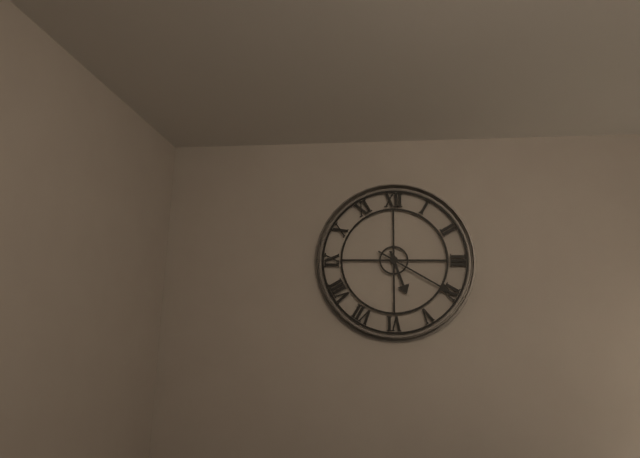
{"hour": 5, "minute": 20}
